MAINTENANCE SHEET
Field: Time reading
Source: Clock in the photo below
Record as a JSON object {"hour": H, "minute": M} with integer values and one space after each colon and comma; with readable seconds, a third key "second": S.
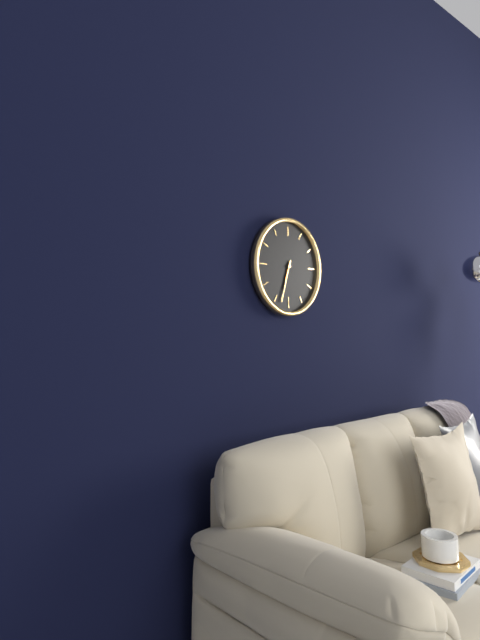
{"hour": 6, "minute": 33}
